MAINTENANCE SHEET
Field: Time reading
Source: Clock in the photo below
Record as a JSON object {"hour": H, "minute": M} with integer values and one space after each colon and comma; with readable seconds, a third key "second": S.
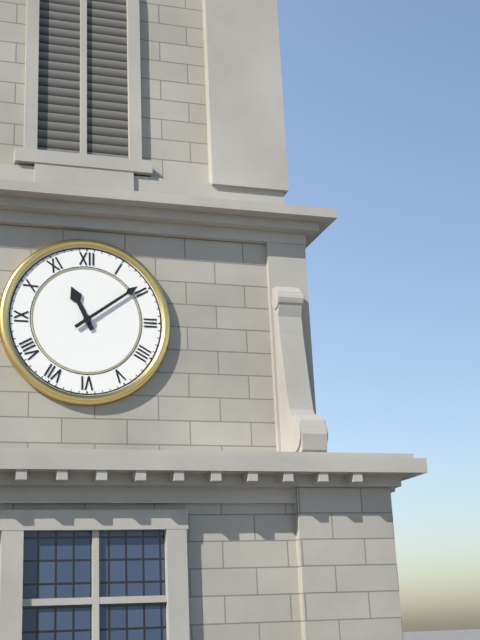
{"hour": 11, "minute": 9}
